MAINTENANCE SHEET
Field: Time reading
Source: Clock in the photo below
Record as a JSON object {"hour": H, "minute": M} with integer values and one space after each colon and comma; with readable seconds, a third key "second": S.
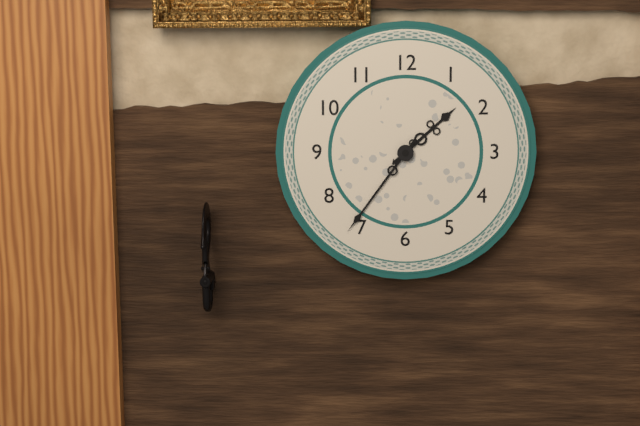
{"hour": 1, "minute": 36}
